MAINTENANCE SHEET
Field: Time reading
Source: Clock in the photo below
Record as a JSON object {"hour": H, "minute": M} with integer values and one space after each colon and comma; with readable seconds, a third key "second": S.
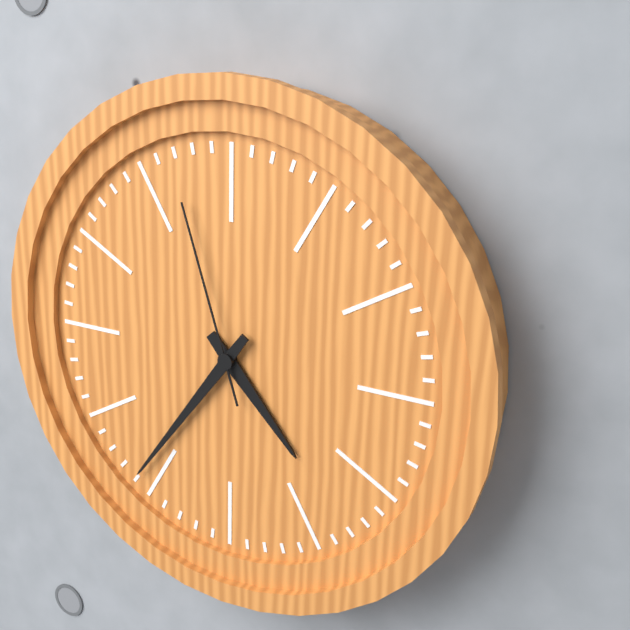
{"hour": 4, "minute": 36, "second": 57}
